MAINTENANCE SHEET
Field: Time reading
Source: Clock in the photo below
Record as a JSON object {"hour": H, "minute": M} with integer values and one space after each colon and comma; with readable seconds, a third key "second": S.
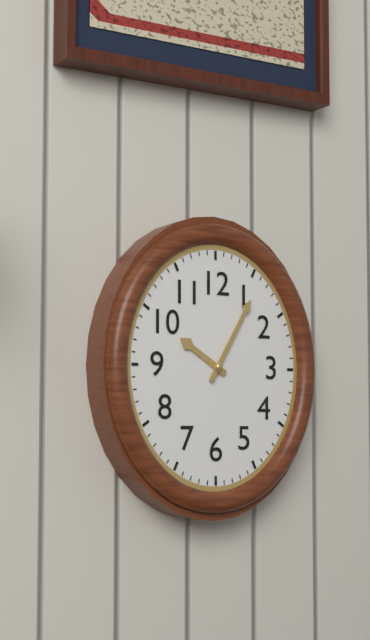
{"hour": 10, "minute": 5}
